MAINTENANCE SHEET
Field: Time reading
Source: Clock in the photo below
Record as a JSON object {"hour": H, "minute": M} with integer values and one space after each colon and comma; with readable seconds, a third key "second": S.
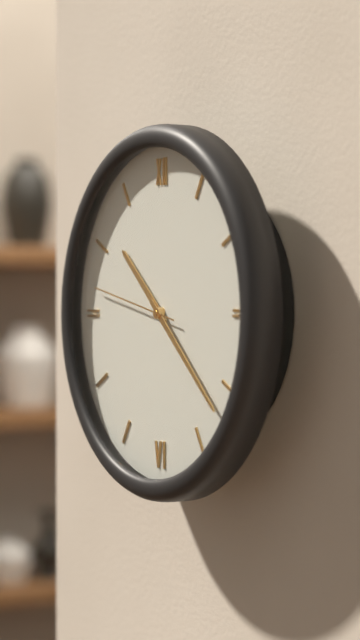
{"hour": 10, "minute": 22, "second": 47}
